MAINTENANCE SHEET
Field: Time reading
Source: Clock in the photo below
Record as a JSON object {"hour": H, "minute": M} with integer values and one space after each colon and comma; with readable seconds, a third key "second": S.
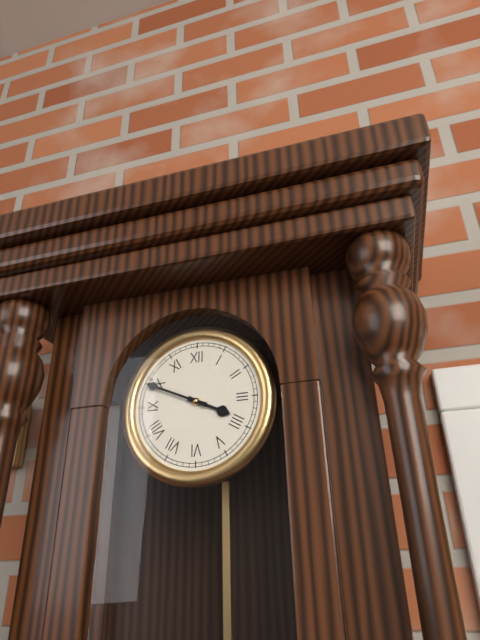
{"hour": 3, "minute": 49}
